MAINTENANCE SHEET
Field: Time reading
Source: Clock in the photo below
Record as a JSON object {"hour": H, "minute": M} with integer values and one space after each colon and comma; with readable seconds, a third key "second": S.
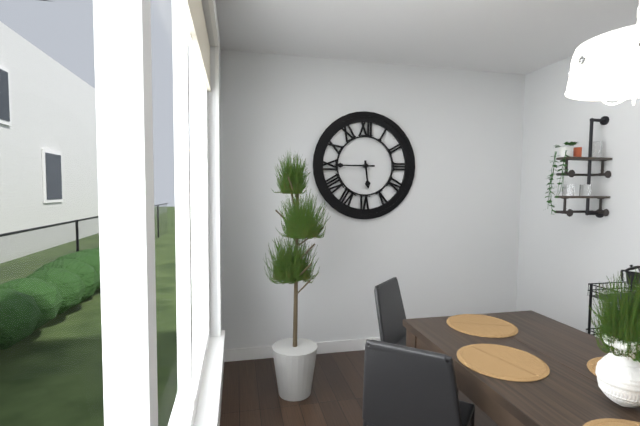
{"hour": 5, "minute": 45}
